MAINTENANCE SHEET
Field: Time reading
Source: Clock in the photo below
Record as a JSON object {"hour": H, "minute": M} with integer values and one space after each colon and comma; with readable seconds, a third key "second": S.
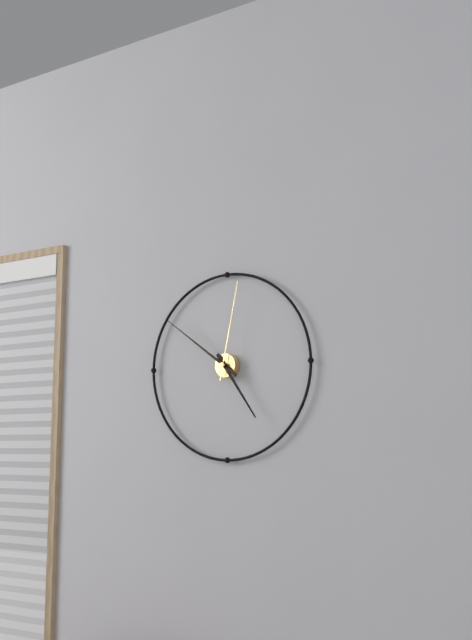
{"hour": 4, "minute": 51, "second": 2}
